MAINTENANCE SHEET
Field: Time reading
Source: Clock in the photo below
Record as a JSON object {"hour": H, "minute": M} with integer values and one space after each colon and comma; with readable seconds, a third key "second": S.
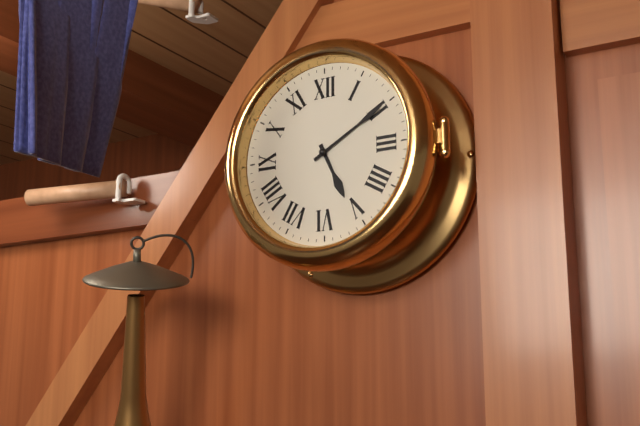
{"hour": 5, "minute": 10}
